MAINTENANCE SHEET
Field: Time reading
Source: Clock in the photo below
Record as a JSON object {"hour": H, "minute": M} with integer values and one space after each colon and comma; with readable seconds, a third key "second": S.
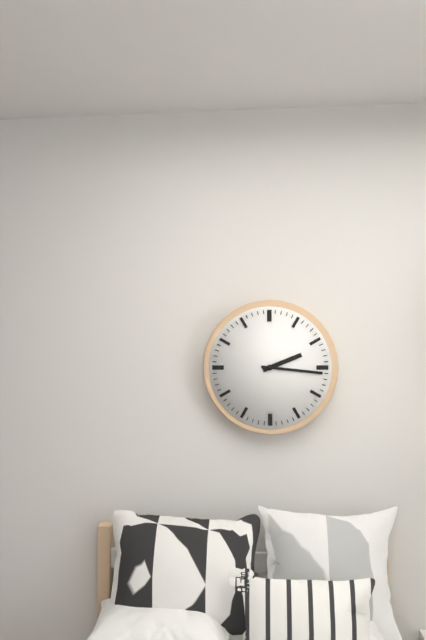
{"hour": 2, "minute": 16}
